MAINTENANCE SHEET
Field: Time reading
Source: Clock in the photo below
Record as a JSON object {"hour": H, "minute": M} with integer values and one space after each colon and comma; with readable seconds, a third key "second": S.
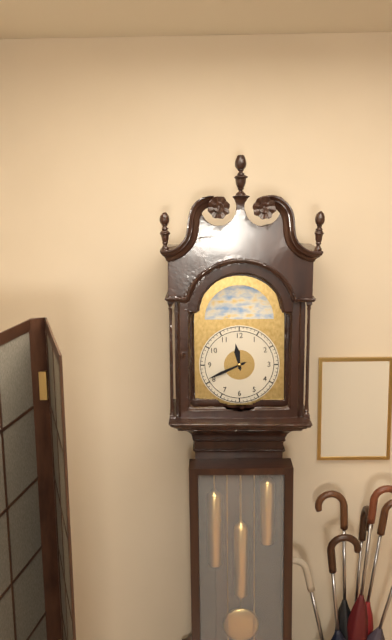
{"hour": 11, "minute": 41}
